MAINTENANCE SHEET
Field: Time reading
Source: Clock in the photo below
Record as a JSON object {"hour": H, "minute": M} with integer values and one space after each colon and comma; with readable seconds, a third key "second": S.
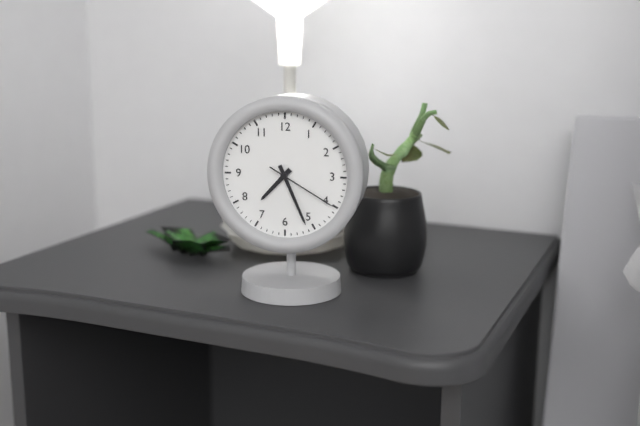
{"hour": 7, "minute": 26, "second": 20}
